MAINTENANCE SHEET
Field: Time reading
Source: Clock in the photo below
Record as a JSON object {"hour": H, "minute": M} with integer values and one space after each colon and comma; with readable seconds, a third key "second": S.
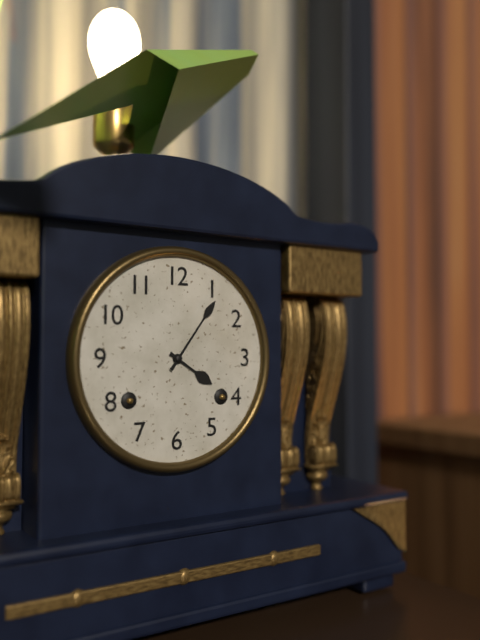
{"hour": 4, "minute": 6}
